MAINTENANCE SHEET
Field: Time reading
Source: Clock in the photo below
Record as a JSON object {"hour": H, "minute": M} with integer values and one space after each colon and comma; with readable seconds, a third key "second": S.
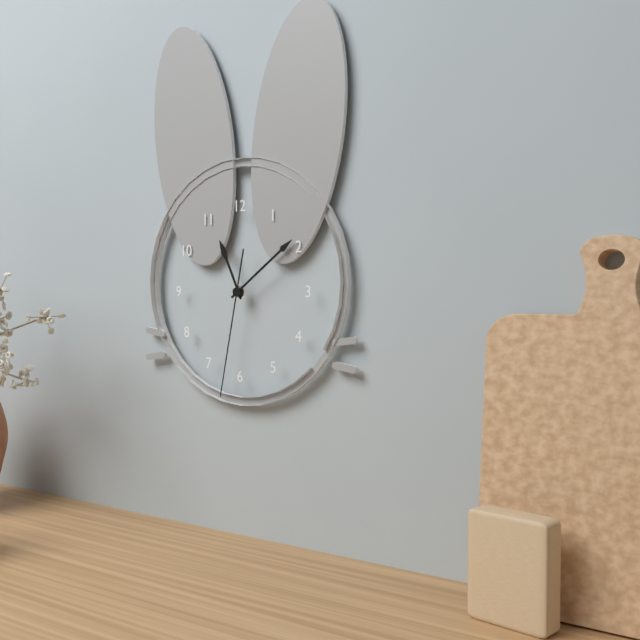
{"hour": 11, "minute": 9, "second": 32}
